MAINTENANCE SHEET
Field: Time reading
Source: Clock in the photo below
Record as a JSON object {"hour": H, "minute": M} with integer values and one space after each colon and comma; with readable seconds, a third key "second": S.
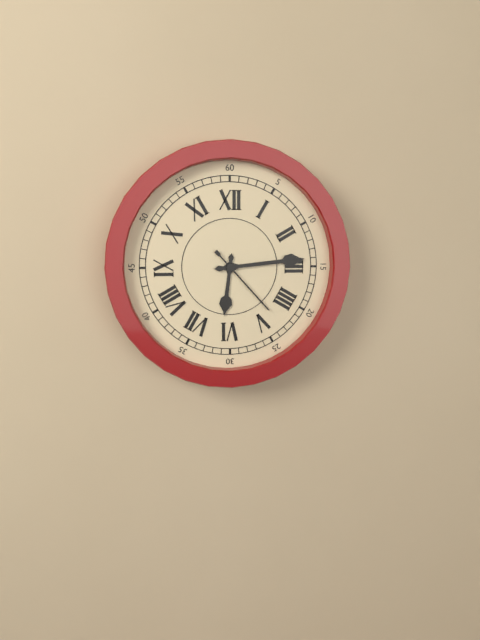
{"hour": 6, "minute": 14, "second": 23}
